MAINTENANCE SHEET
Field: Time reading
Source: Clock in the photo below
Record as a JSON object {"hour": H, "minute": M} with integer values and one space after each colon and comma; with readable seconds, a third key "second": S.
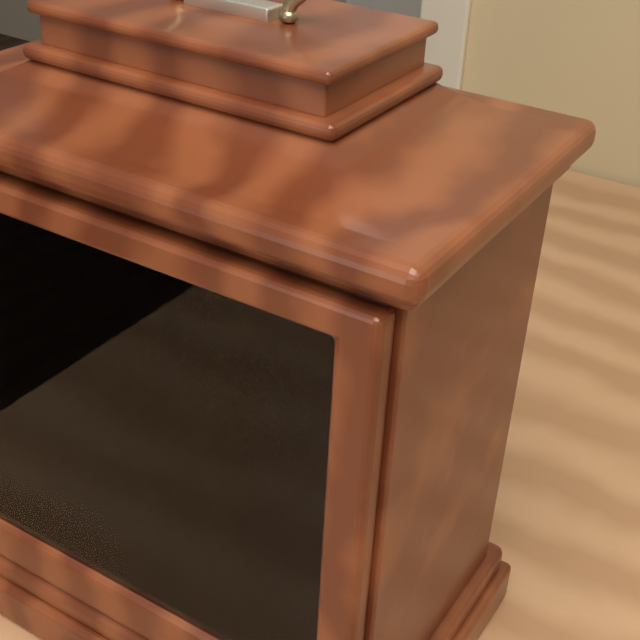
{"hour": 9, "minute": 17}
